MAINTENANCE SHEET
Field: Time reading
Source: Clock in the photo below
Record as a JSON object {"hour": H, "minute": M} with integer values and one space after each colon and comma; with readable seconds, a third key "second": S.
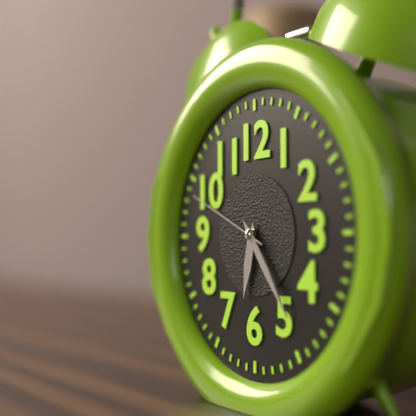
{"hour": 6, "minute": 24, "second": 49}
